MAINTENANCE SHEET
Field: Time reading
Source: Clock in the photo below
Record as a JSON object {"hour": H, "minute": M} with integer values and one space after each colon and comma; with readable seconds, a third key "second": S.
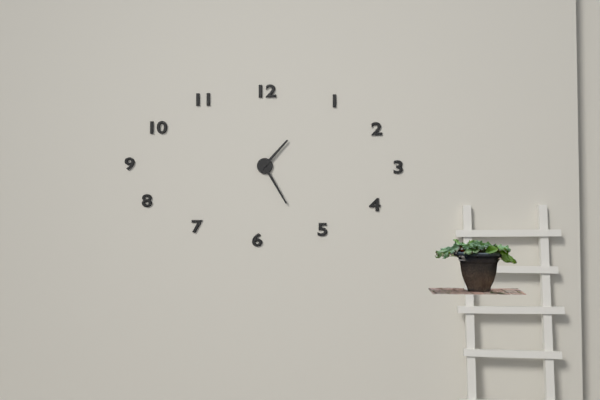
{"hour": 1, "minute": 25}
